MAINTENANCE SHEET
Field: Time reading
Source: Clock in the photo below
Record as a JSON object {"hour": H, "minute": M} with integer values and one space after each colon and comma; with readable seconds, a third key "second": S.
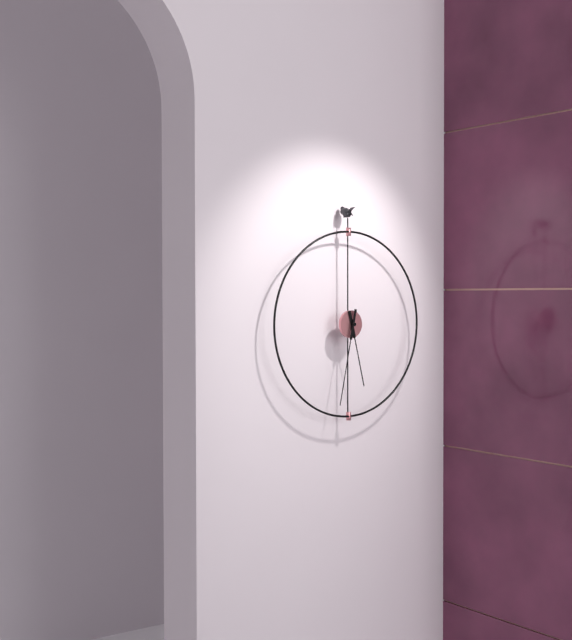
{"hour": 5, "minute": 32}
